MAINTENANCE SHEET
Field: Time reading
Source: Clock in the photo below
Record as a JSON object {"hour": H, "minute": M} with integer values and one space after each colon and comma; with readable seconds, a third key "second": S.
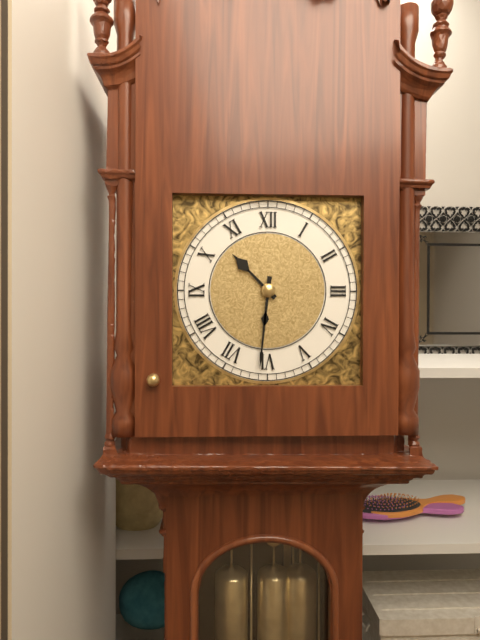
{"hour": 10, "minute": 31}
